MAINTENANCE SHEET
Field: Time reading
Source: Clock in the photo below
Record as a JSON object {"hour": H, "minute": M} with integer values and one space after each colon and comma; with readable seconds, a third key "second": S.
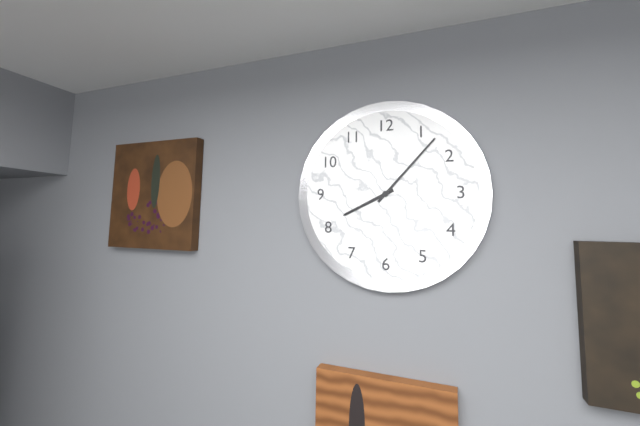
{"hour": 8, "minute": 7}
